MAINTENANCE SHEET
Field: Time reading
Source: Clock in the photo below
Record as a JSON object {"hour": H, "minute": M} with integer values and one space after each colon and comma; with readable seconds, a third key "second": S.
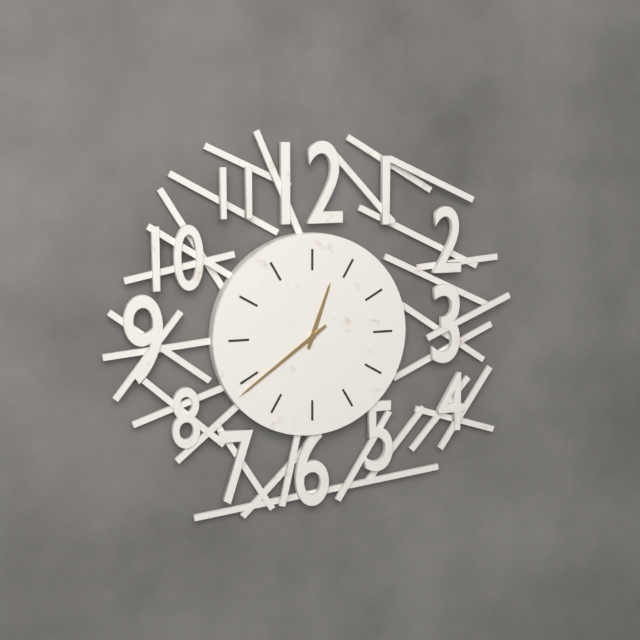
{"hour": 12, "minute": 39}
